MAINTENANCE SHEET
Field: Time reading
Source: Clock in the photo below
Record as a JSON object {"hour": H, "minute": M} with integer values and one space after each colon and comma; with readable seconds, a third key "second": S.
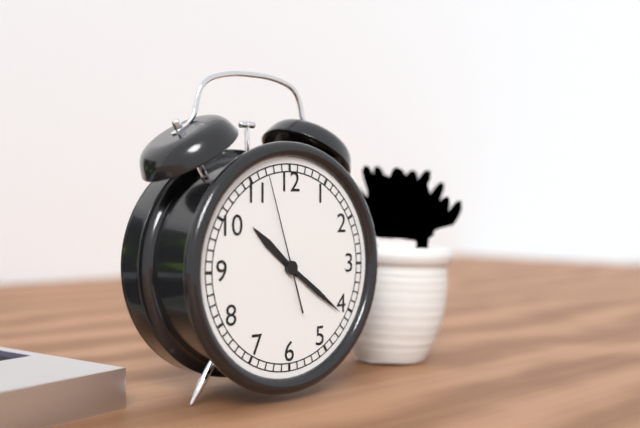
{"hour": 10, "minute": 21, "second": 57}
